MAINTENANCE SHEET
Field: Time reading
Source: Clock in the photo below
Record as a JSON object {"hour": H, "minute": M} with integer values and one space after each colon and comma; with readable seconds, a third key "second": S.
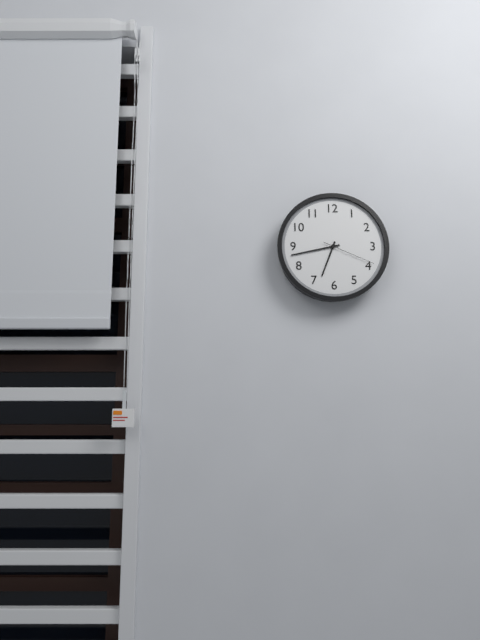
{"hour": 6, "minute": 43, "second": 19}
